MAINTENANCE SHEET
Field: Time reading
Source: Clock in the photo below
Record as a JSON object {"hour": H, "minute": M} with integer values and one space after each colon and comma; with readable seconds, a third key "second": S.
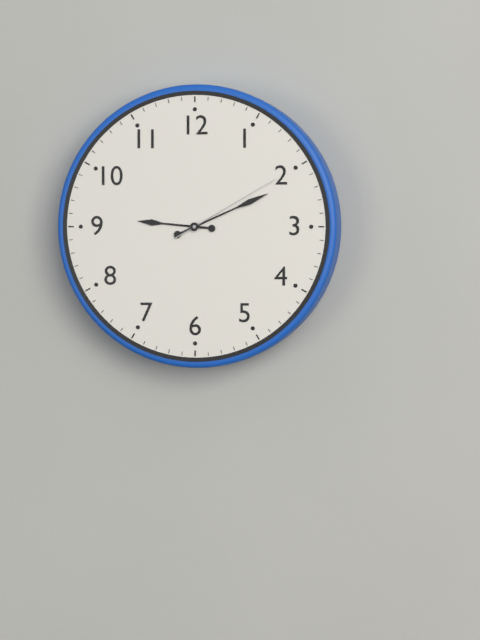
{"hour": 9, "minute": 11, "second": 10}
